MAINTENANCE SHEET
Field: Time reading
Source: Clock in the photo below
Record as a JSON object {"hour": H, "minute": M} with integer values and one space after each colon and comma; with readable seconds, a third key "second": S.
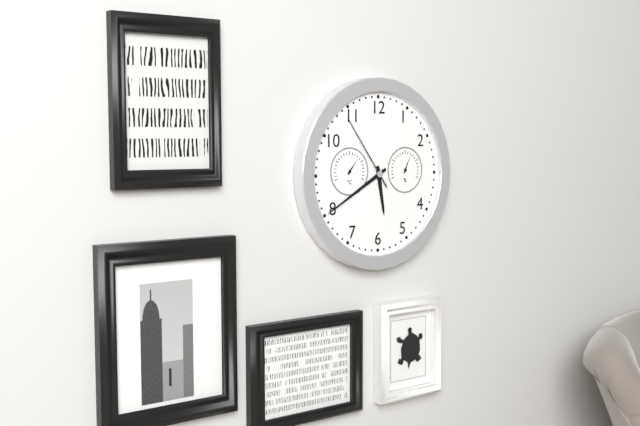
{"hour": 5, "minute": 40, "second": 54}
